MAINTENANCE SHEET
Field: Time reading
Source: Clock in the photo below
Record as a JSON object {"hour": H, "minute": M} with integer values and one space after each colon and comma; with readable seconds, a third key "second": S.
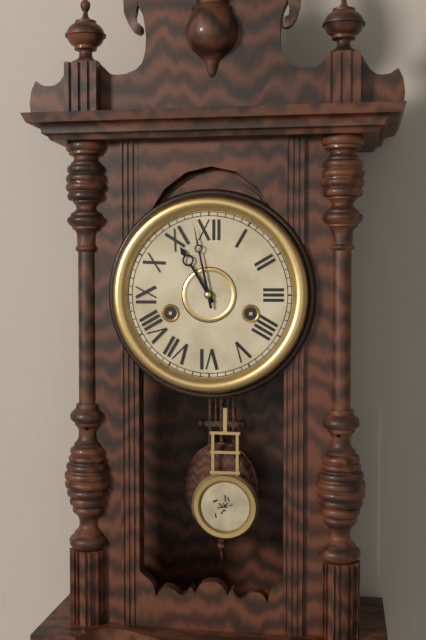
{"hour": 10, "minute": 58}
